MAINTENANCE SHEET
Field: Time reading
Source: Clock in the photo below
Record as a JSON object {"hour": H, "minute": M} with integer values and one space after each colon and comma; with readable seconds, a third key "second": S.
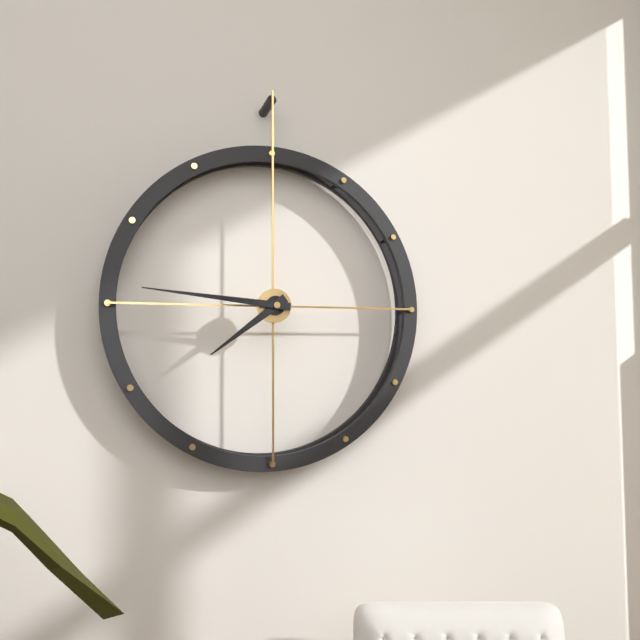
{"hour": 7, "minute": 46}
